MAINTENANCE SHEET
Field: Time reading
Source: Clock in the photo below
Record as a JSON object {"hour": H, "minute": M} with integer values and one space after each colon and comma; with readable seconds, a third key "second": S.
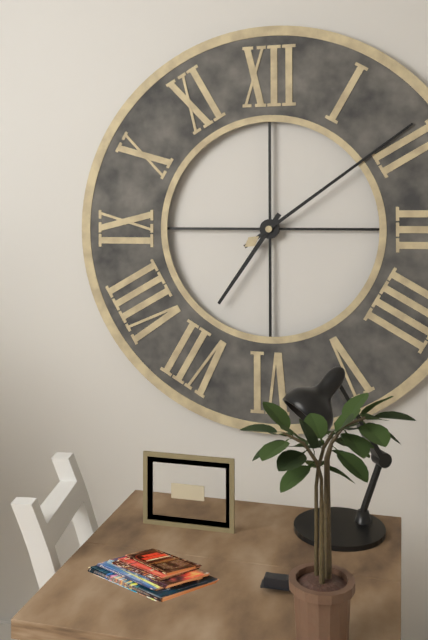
{"hour": 7, "minute": 9}
